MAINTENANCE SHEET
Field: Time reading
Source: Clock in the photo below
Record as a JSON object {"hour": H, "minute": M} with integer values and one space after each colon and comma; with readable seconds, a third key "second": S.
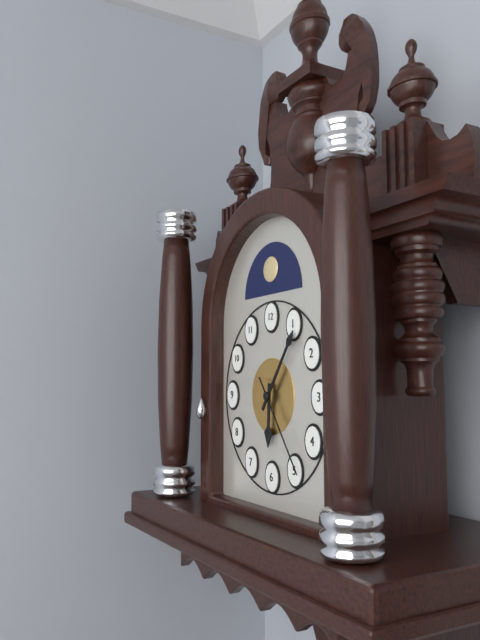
{"hour": 6, "minute": 6, "second": 24}
